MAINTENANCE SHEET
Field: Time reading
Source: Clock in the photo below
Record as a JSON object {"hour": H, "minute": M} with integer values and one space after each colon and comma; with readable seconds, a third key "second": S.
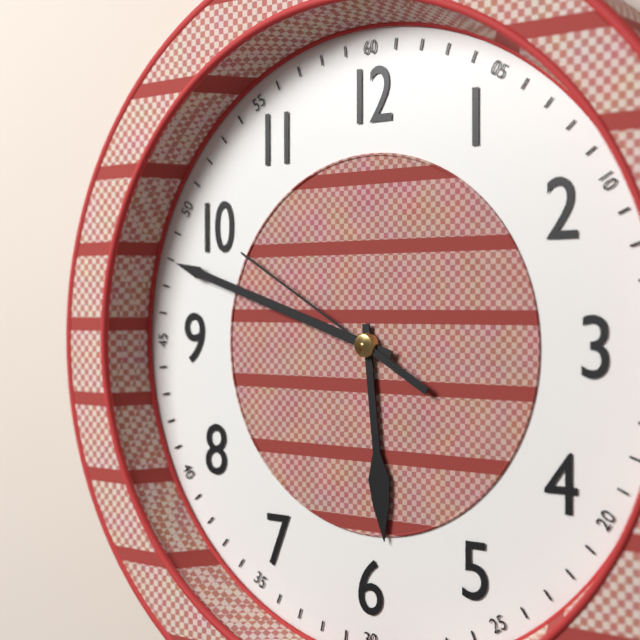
{"hour": 5, "minute": 48, "second": 50}
